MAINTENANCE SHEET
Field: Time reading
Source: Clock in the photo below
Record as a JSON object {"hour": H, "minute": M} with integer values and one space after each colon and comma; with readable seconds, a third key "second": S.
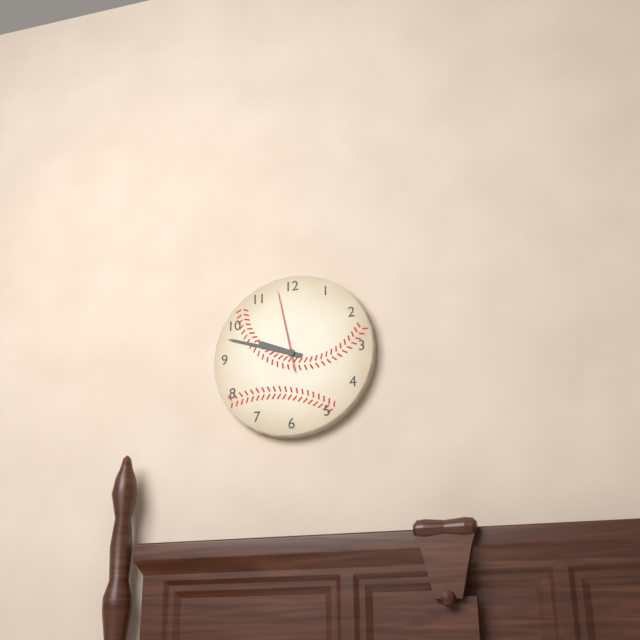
{"hour": 9, "minute": 48, "second": 58}
